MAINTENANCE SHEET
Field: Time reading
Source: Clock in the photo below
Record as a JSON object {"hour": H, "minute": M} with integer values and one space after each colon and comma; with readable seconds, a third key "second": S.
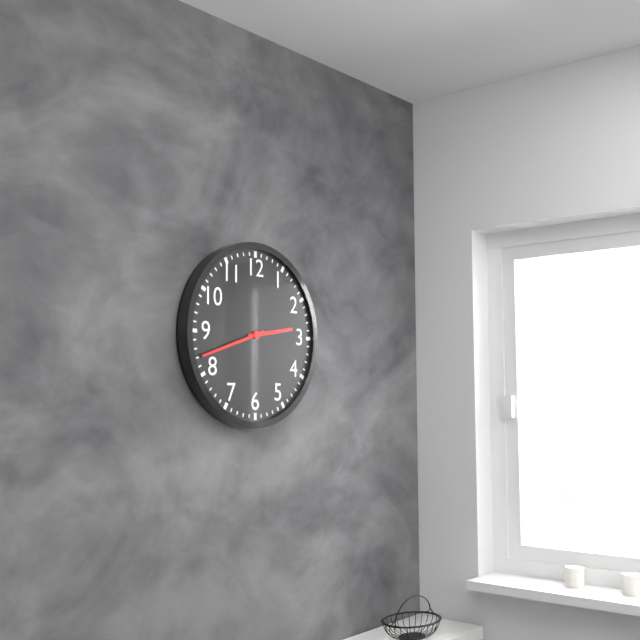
{"hour": 2, "minute": 42}
